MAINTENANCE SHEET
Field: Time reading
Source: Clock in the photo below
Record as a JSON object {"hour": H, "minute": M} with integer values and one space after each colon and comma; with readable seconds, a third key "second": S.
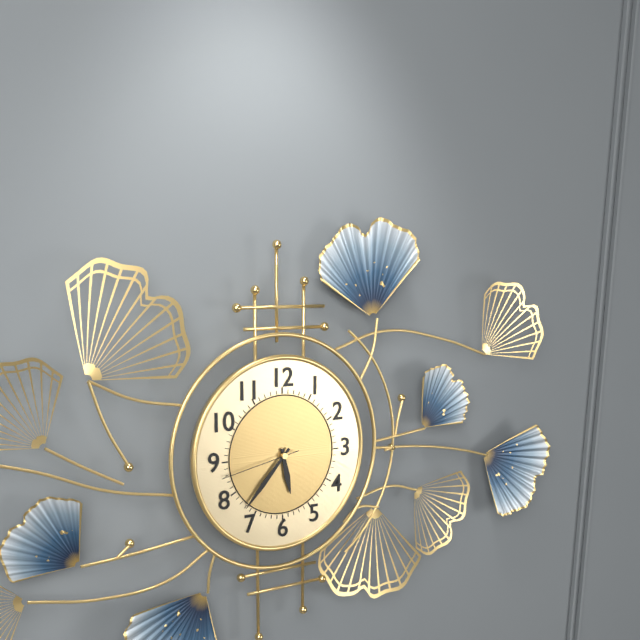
{"hour": 5, "minute": 37, "second": 43}
